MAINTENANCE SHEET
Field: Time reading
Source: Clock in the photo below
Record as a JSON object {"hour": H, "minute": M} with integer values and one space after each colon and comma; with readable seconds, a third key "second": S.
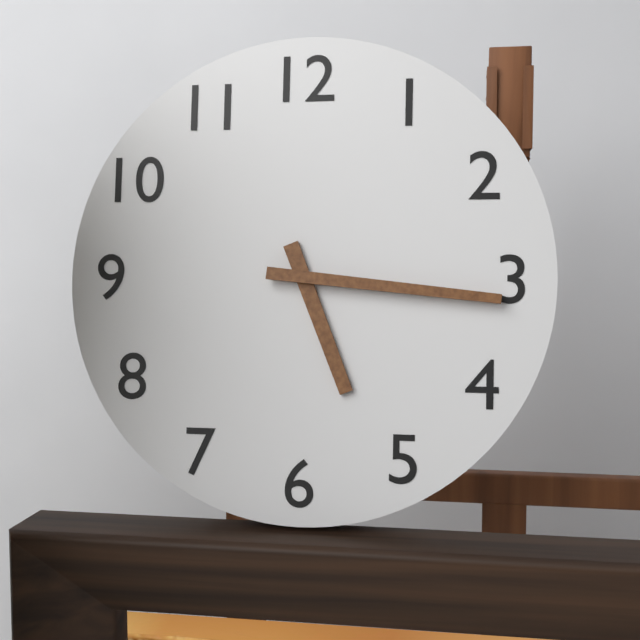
{"hour": 5, "minute": 16}
